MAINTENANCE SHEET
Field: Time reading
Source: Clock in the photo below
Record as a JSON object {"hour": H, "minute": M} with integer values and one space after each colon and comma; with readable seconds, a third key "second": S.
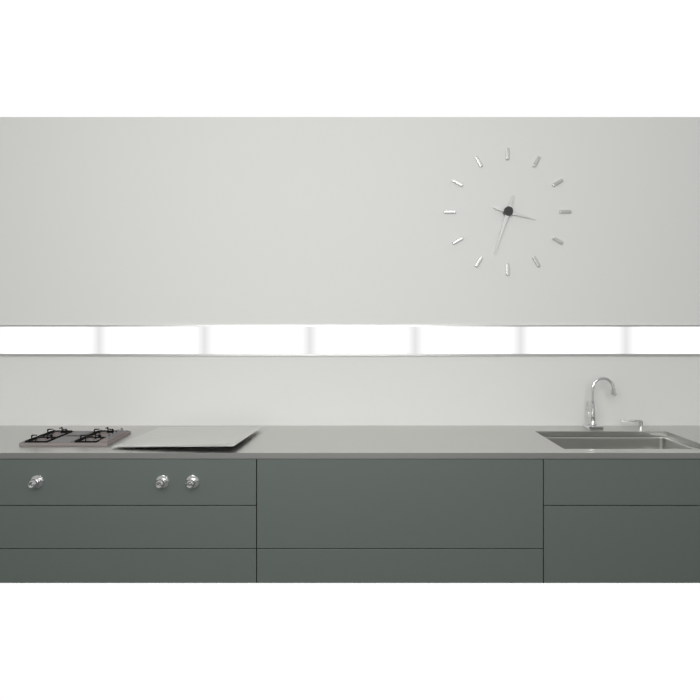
{"hour": 3, "minute": 33}
